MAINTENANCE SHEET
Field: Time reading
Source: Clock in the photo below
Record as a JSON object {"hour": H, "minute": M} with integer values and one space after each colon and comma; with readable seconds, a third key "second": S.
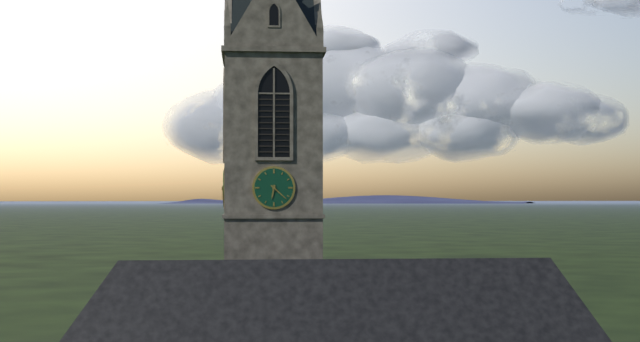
{"hour": 6, "minute": 22}
